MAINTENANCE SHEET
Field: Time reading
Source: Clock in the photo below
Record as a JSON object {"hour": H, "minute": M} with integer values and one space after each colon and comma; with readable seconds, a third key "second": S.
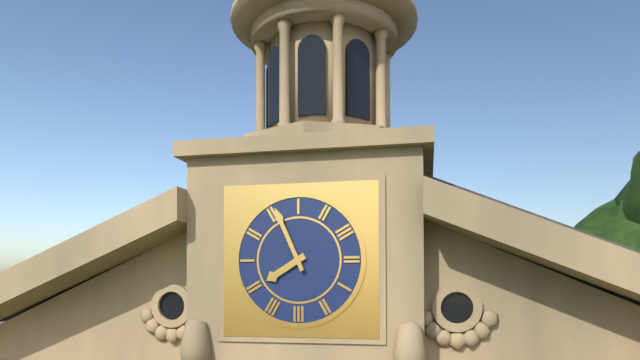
{"hour": 7, "minute": 56}
